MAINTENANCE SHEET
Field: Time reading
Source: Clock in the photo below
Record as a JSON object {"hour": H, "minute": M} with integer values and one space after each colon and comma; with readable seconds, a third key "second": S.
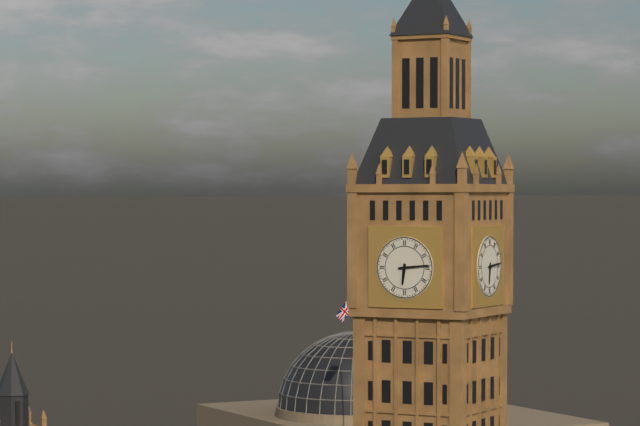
{"hour": 6, "minute": 14}
